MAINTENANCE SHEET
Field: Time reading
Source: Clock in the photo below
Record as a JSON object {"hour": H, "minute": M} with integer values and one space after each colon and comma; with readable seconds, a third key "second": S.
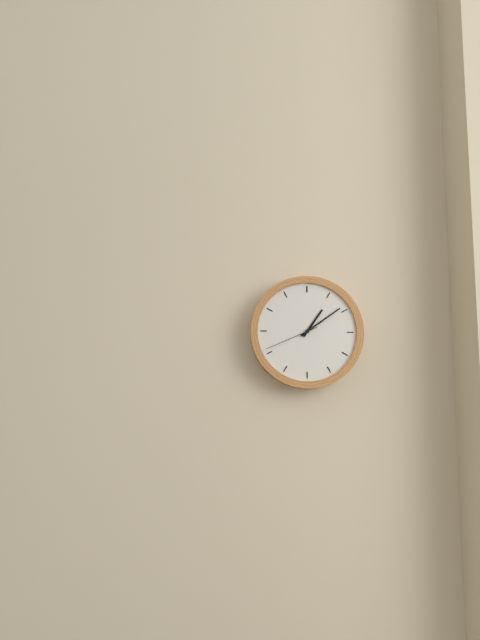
{"hour": 1, "minute": 9, "second": 41}
